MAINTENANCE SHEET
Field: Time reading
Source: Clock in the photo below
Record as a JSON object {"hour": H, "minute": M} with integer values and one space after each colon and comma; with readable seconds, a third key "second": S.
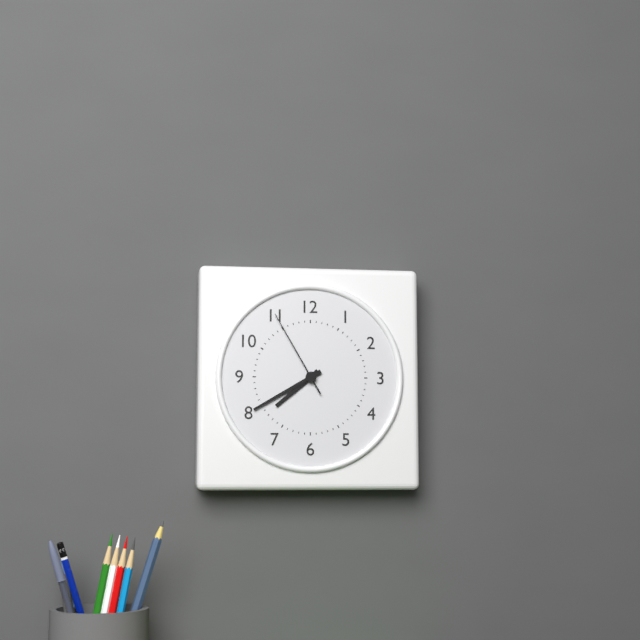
{"hour": 7, "minute": 40, "second": 55}
